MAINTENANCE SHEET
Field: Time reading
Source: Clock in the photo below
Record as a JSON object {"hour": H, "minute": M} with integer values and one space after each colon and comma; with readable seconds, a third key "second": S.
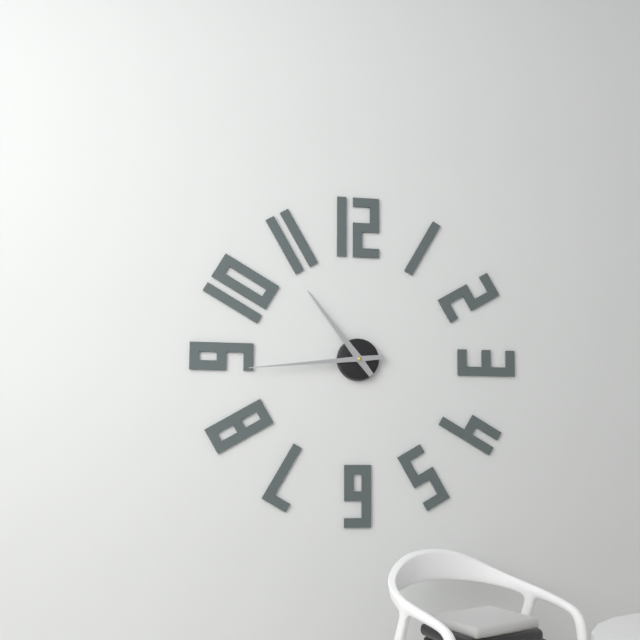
{"hour": 10, "minute": 44}
